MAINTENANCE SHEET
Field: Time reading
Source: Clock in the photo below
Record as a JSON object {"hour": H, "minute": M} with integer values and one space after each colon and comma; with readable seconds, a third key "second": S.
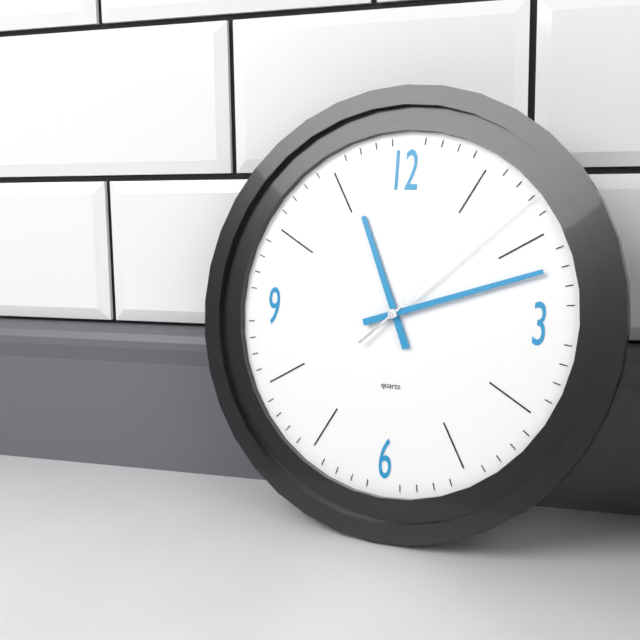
{"hour": 11, "minute": 12, "second": 8}
